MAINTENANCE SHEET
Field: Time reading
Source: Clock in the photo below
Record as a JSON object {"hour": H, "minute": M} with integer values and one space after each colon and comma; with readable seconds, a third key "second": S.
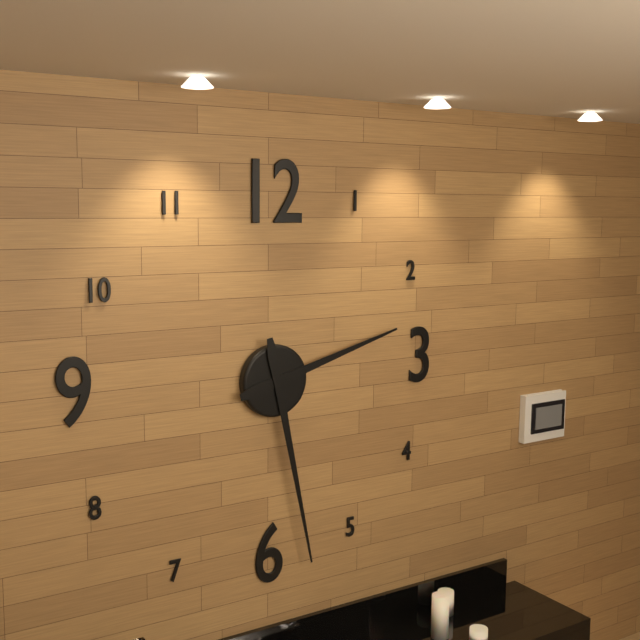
{"hour": 2, "minute": 28}
